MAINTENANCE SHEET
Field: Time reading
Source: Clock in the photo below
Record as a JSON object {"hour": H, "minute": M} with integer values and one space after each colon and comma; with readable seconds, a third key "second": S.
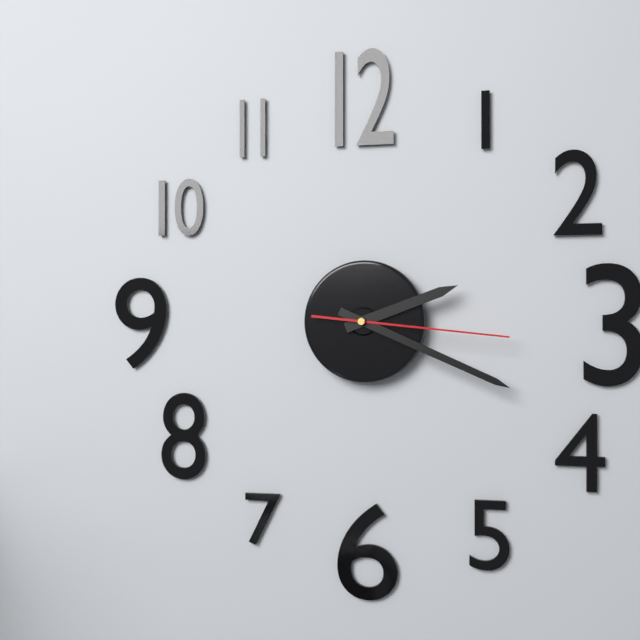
{"hour": 2, "minute": 19, "second": 16}
